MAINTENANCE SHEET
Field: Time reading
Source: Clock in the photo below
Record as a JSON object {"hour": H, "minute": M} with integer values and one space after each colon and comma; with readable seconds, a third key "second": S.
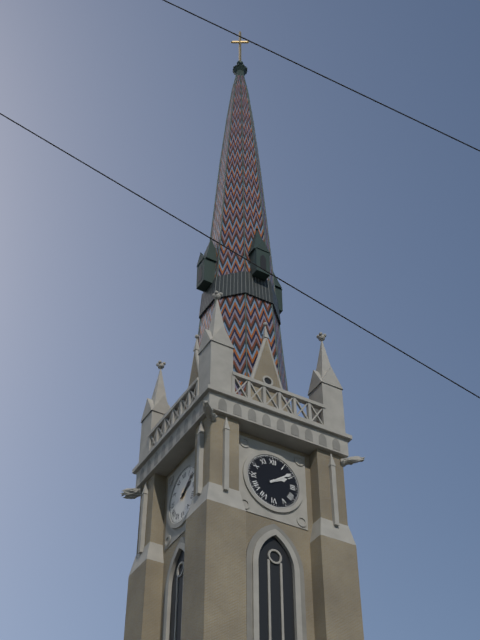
{"hour": 2, "minute": 9}
